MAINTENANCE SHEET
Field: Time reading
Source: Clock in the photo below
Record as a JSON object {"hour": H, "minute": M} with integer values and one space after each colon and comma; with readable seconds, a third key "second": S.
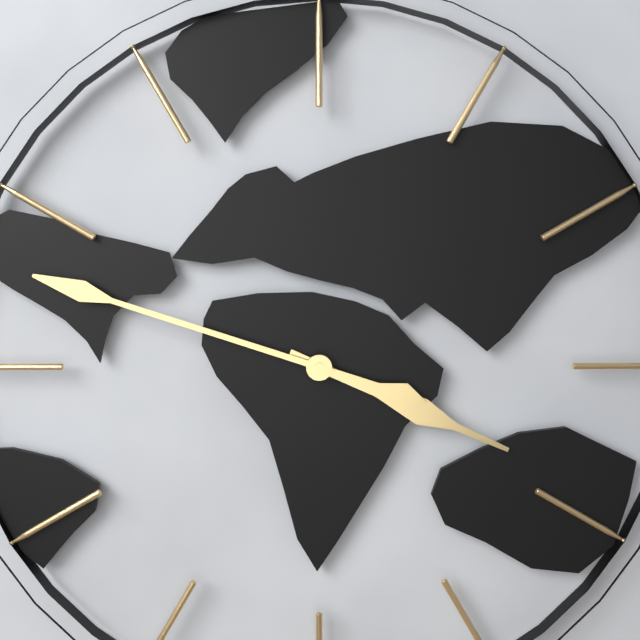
{"hour": 3, "minute": 48}
